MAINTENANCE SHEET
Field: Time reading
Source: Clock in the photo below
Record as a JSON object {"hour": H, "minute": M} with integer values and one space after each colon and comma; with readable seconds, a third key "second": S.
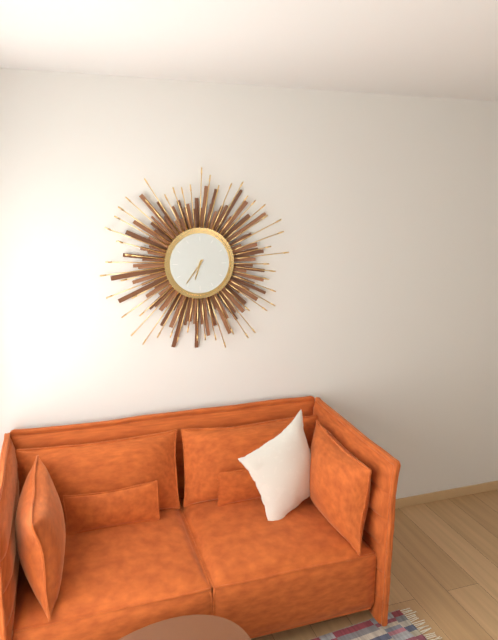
{"hour": 6, "minute": 36}
